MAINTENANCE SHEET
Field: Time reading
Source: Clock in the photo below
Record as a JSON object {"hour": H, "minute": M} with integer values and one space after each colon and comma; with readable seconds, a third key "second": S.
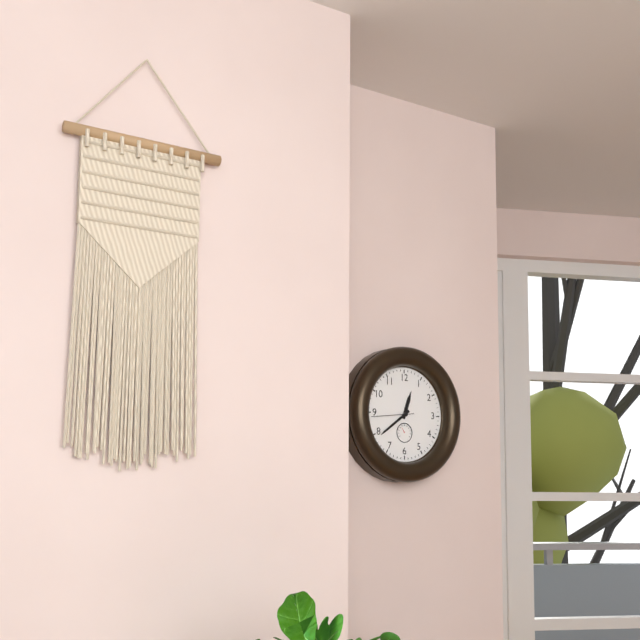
{"hour": 12, "minute": 39}
